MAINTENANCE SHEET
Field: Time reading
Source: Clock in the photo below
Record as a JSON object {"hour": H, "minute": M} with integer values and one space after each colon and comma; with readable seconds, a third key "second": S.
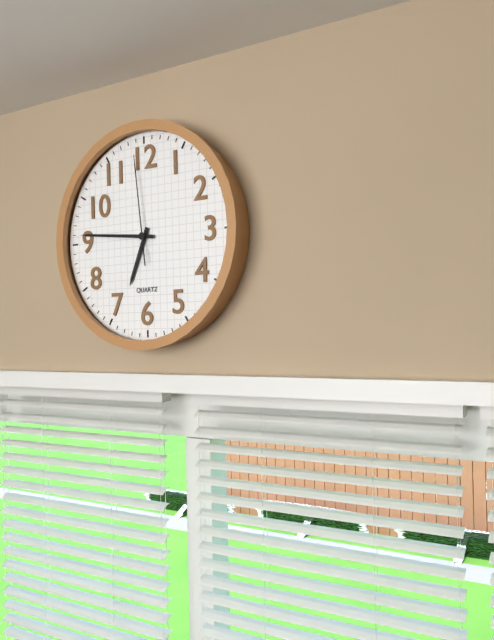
{"hour": 6, "minute": 46, "second": 59}
